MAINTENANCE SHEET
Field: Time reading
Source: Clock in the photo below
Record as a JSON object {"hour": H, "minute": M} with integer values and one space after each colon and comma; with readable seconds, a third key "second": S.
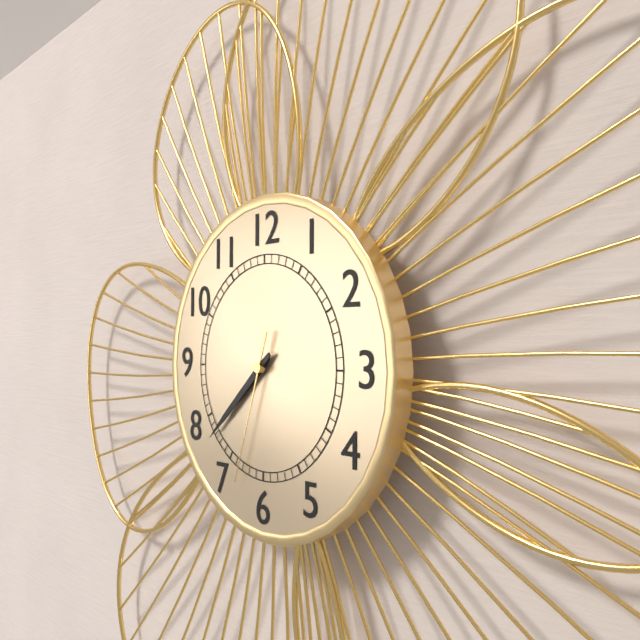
{"hour": 7, "minute": 38, "second": 33}
